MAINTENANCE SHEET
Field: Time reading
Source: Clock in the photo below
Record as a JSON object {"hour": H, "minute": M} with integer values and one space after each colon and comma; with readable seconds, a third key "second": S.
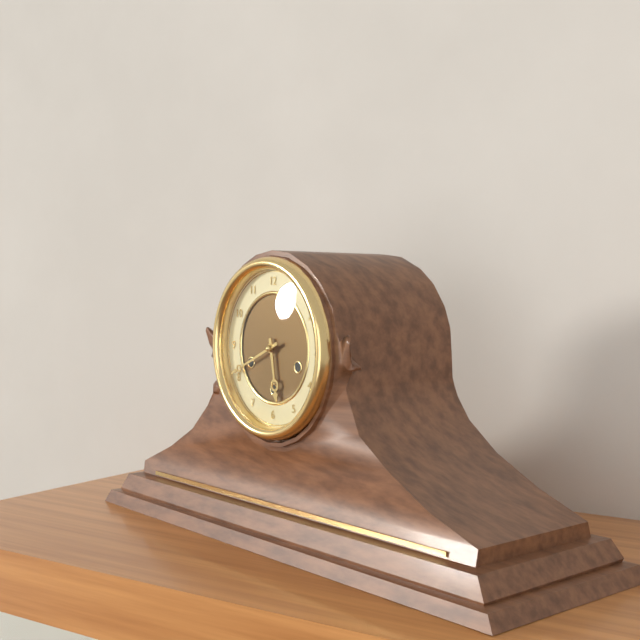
{"hour": 5, "minute": 41}
